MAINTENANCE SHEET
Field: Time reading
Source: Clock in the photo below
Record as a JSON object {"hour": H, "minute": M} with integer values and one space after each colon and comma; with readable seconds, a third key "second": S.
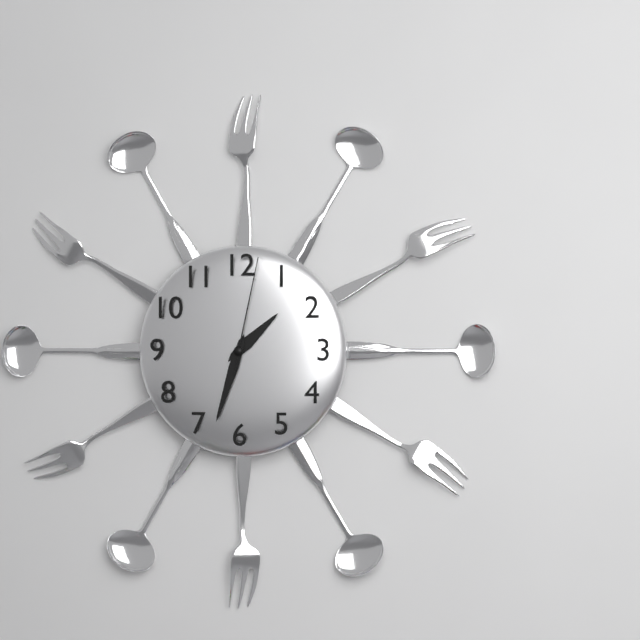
{"hour": 1, "minute": 33, "second": 2}
